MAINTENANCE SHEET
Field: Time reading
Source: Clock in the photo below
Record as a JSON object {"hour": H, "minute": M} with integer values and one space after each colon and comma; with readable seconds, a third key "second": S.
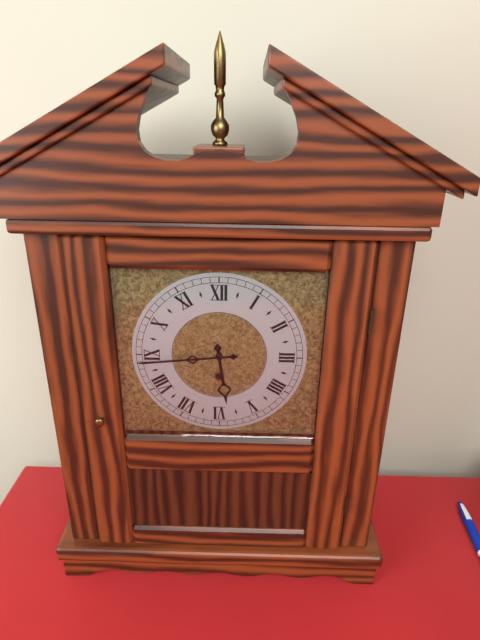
{"hour": 5, "minute": 44}
